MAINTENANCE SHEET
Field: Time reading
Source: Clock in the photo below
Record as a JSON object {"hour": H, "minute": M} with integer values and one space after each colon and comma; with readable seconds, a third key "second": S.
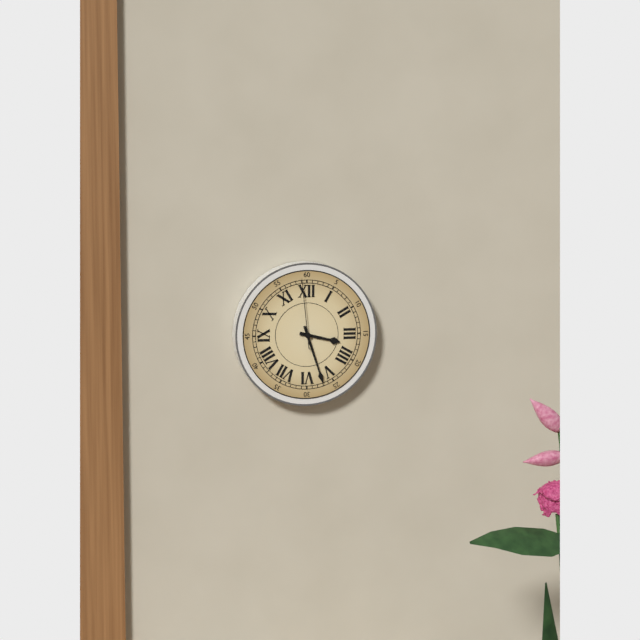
{"hour": 3, "minute": 27, "second": 59}
